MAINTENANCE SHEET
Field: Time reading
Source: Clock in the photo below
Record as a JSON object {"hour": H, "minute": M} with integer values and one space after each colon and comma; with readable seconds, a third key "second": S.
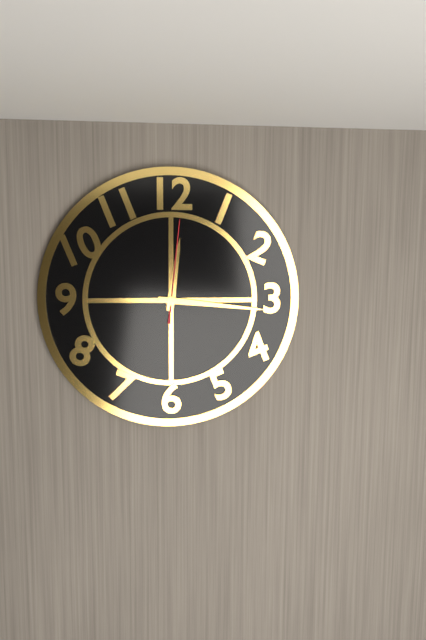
{"hour": 12, "minute": 16, "second": 1}
